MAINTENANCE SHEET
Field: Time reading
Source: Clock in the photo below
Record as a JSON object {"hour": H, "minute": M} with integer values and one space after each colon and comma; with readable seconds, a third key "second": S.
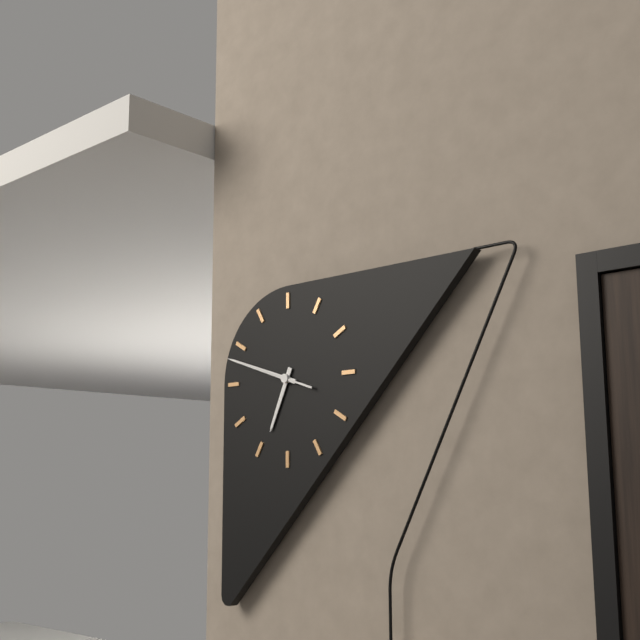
{"hour": 6, "minute": 48, "second": 48}
